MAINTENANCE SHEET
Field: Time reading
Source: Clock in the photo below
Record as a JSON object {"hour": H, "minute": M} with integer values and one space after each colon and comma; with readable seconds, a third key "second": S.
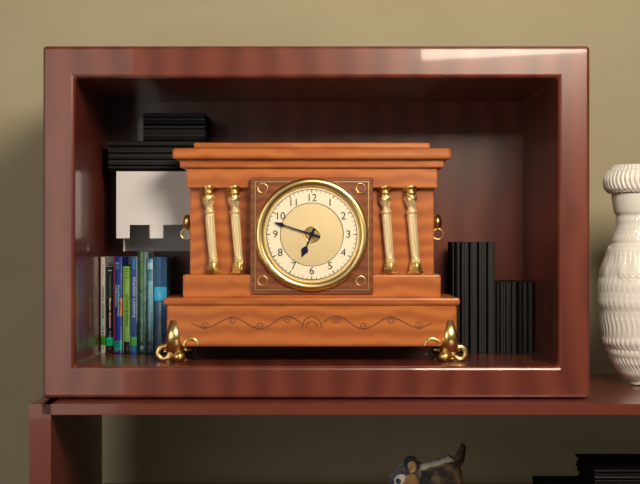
{"hour": 6, "minute": 48}
